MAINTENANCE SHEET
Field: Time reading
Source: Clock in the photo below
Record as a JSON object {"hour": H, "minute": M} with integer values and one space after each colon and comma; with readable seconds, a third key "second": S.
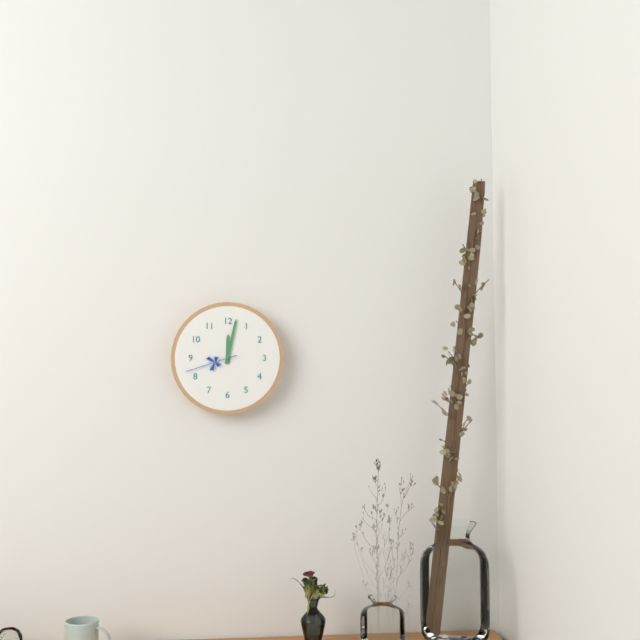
{"hour": 12, "minute": 2, "second": 42}
